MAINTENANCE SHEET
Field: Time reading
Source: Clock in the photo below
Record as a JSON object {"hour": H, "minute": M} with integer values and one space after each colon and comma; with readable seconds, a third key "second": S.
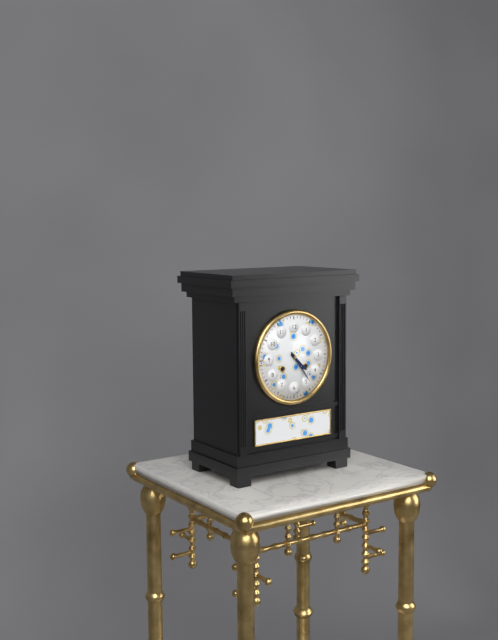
{"hour": 4, "minute": 24}
